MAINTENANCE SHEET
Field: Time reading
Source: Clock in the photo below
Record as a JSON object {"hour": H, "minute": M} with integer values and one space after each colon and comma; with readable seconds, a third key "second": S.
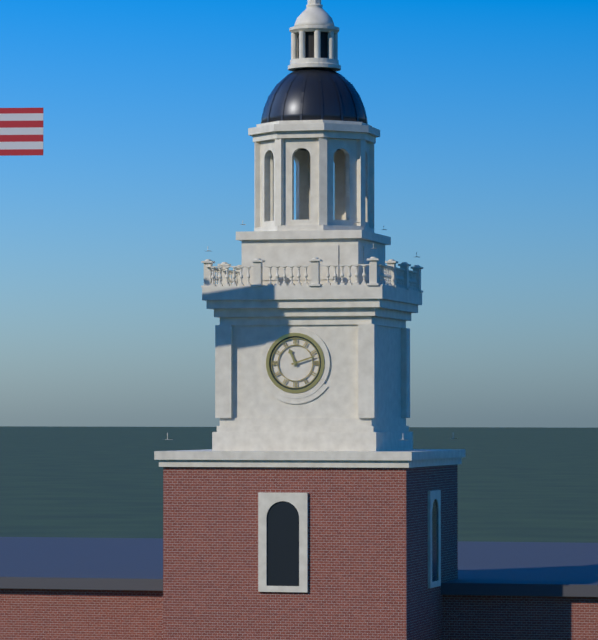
{"hour": 11, "minute": 12}
